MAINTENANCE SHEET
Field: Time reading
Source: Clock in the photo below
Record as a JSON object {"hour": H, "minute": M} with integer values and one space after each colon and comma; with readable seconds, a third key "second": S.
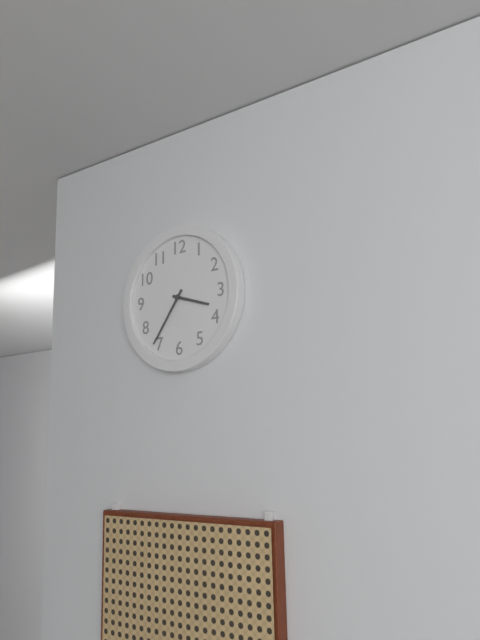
{"hour": 3, "minute": 36}
